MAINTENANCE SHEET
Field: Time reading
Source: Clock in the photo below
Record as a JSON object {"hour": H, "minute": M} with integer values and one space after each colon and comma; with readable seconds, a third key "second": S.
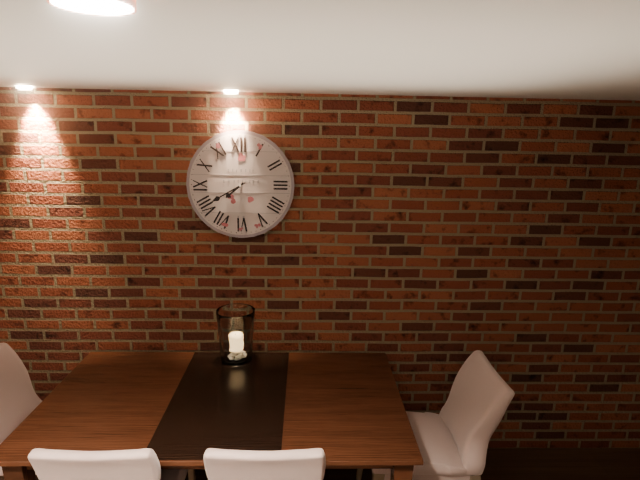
{"hour": 7, "minute": 40}
